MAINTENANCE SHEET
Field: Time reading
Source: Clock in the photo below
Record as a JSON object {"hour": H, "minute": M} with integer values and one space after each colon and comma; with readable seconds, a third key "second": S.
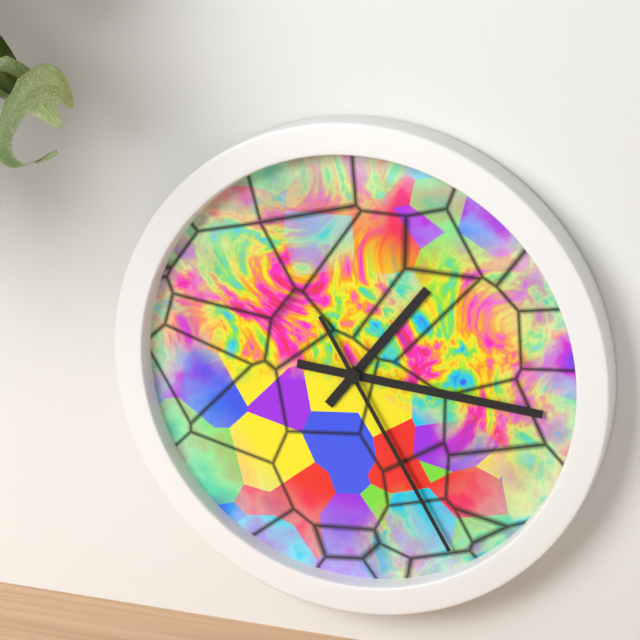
{"hour": 1, "minute": 16, "second": 25}
